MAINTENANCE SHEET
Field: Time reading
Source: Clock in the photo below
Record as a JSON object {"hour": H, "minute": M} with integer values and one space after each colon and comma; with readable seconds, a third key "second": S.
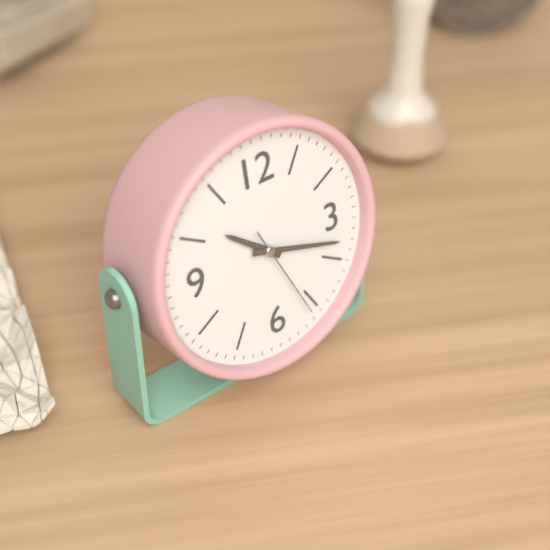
{"hour": 10, "minute": 18, "second": 26}
